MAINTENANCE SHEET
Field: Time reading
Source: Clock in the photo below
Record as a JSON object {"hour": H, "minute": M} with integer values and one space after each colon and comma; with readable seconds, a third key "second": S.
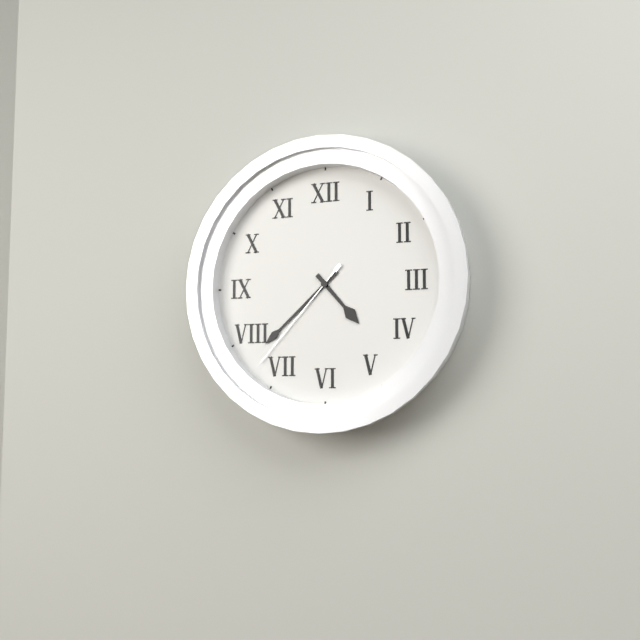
{"hour": 4, "minute": 38, "second": 37}
